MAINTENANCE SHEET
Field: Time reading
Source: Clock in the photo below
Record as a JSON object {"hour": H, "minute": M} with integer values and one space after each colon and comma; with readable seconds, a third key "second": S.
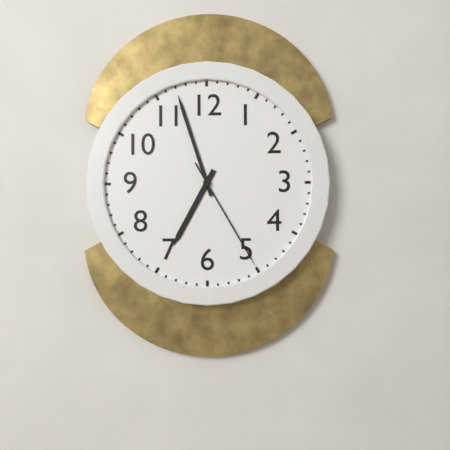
{"hour": 6, "minute": 57, "second": 25}
